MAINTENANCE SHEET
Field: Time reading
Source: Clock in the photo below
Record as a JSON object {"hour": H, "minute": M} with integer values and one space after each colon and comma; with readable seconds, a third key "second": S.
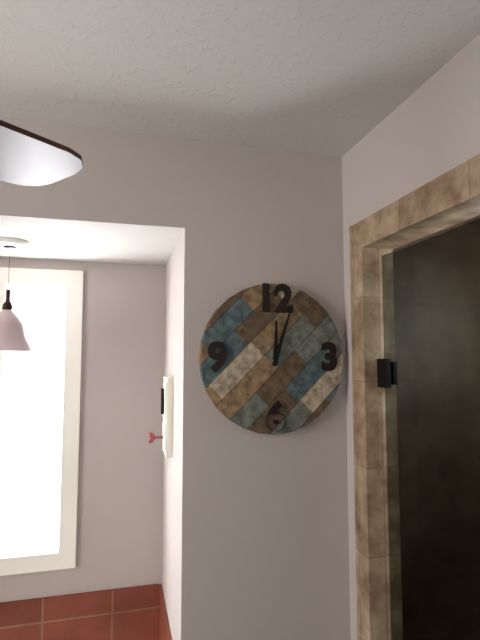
{"hour": 12, "minute": 3}
